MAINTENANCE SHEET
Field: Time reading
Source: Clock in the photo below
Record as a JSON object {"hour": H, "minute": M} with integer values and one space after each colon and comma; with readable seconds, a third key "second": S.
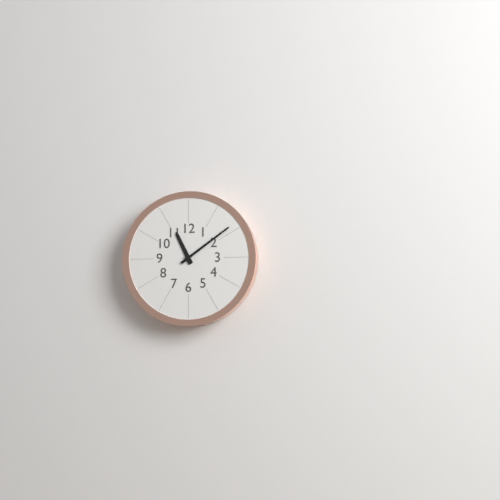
{"hour": 11, "minute": 9}
